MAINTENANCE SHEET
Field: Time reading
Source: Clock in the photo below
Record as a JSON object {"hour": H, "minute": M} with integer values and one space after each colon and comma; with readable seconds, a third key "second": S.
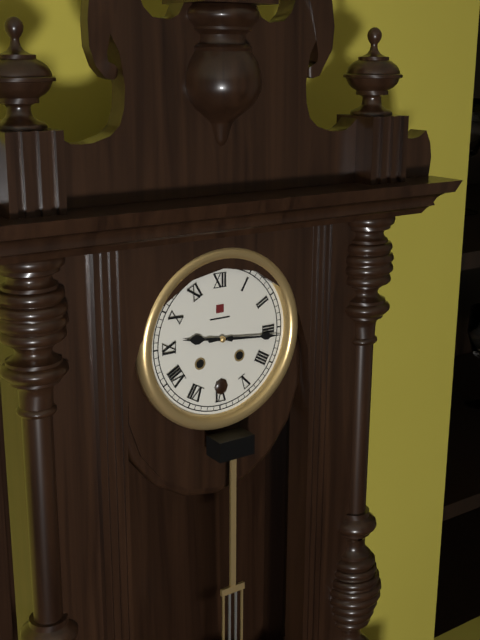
{"hour": 9, "minute": 16}
